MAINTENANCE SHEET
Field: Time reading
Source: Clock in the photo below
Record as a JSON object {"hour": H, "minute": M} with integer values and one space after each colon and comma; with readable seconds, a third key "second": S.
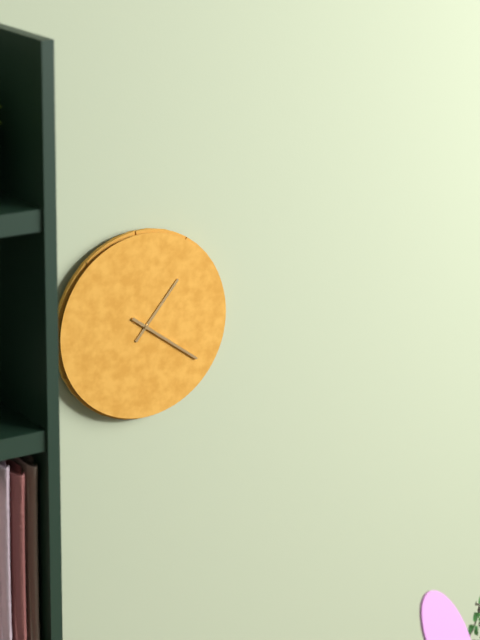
{"hour": 1, "minute": 21}
